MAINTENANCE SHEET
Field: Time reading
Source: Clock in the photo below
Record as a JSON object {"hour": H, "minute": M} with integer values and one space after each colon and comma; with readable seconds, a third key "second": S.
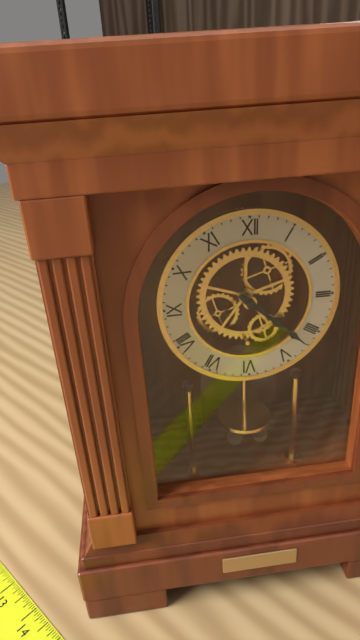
{"hour": 4, "minute": 22}
